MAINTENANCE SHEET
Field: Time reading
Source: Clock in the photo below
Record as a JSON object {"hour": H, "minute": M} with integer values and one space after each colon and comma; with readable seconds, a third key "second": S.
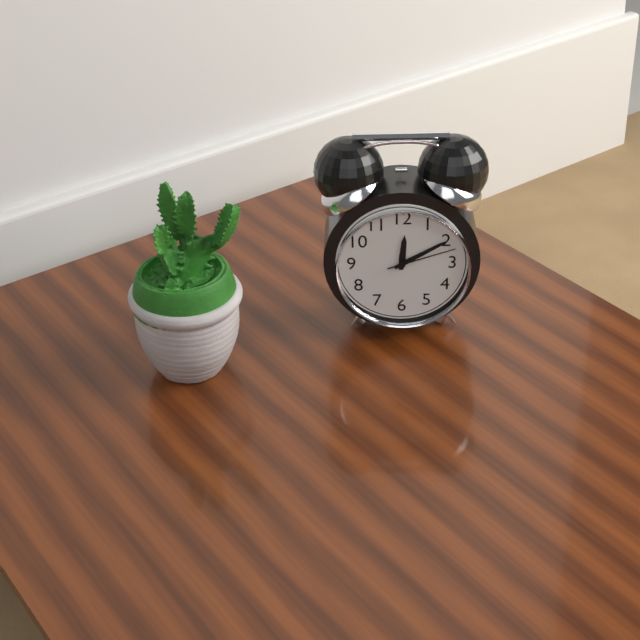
{"hour": 12, "minute": 10, "second": 12}
